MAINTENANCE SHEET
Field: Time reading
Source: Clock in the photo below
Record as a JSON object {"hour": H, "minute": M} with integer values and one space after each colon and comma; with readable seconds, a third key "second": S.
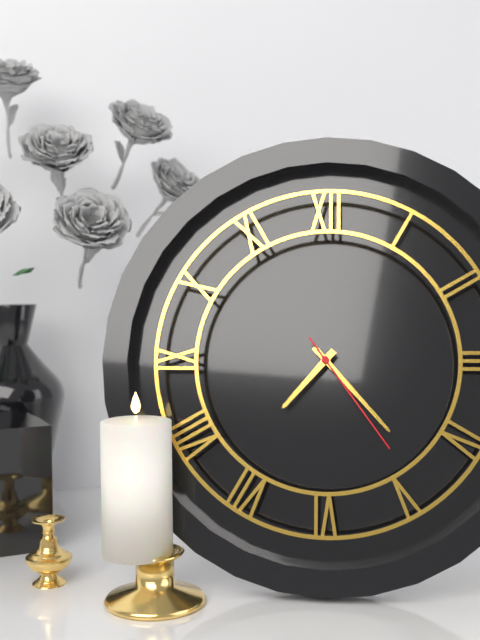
{"hour": 7, "minute": 23, "second": 24}
